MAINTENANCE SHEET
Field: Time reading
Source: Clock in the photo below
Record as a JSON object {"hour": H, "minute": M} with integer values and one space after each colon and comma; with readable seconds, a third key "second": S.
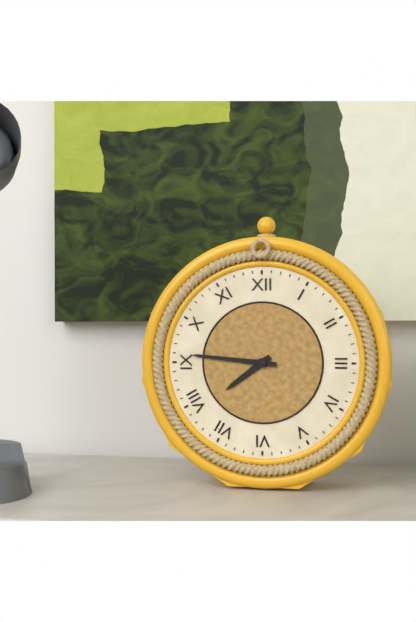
{"hour": 7, "minute": 46}
